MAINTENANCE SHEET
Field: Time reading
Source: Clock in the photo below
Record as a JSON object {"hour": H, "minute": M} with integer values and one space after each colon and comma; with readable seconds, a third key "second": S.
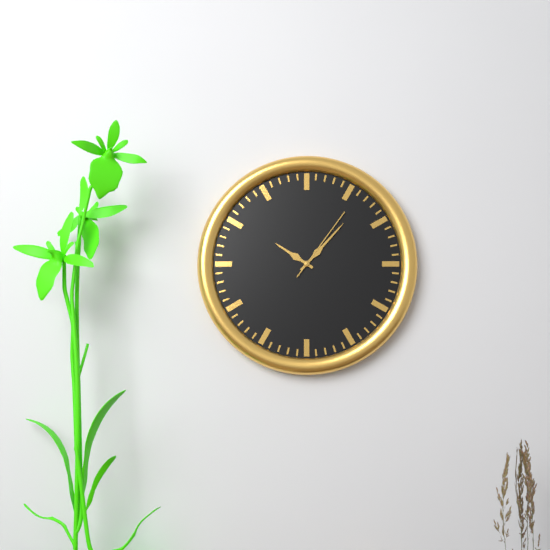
{"hour": 10, "minute": 7, "second": 6}
